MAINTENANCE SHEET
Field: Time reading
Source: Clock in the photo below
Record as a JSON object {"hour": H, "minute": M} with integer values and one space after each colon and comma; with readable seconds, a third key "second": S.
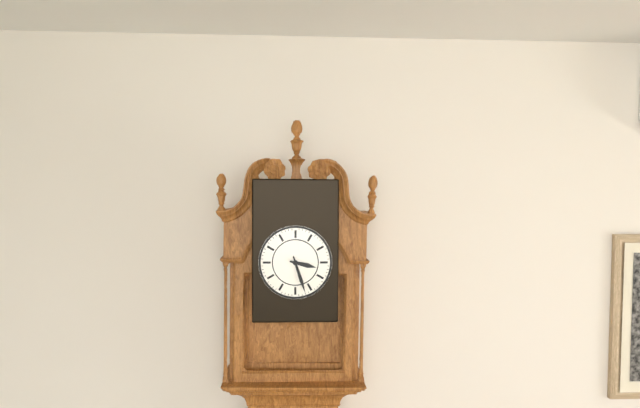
{"hour": 3, "minute": 27}
